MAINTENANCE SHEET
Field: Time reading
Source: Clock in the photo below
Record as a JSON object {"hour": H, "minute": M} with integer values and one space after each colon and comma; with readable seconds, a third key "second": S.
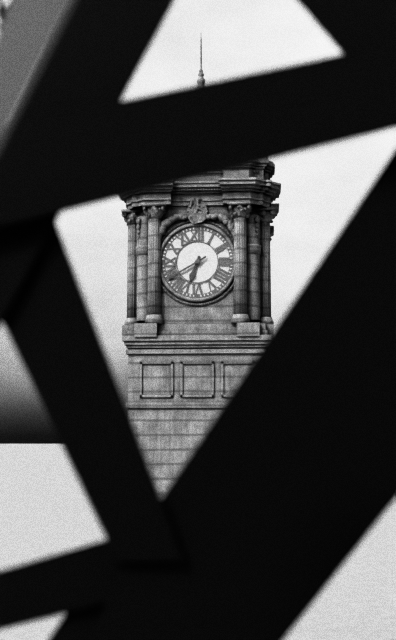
{"hour": 6, "minute": 40}
